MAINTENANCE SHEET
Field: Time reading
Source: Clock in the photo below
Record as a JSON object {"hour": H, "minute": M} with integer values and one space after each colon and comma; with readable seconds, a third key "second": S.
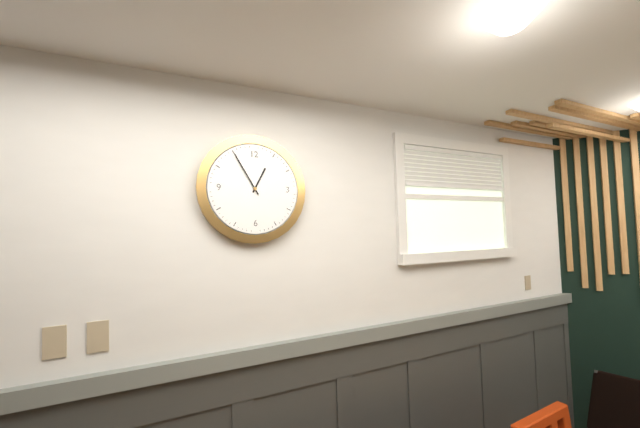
{"hour": 12, "minute": 55}
